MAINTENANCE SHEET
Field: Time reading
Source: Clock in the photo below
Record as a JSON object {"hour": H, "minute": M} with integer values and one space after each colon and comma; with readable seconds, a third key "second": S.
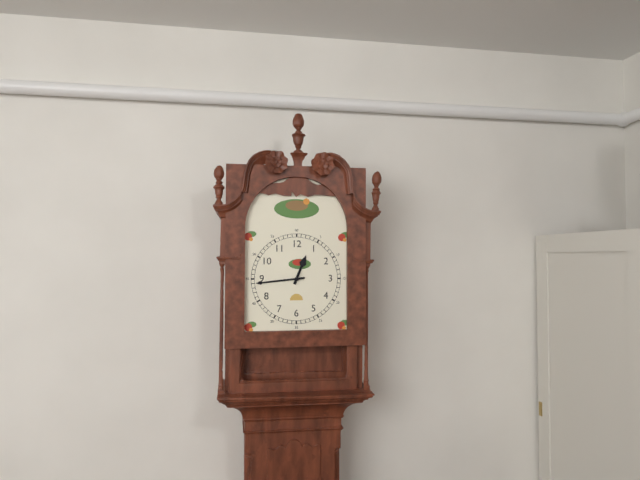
{"hour": 12, "minute": 44}
